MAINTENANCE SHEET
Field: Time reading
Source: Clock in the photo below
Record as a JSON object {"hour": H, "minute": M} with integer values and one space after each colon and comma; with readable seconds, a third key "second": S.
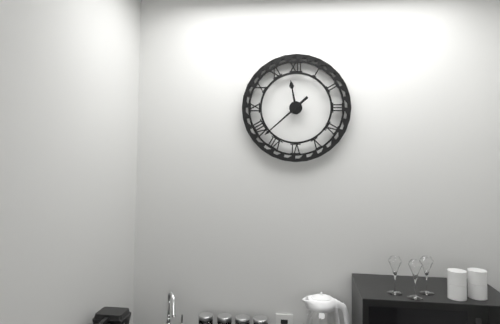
{"hour": 11, "minute": 38}
